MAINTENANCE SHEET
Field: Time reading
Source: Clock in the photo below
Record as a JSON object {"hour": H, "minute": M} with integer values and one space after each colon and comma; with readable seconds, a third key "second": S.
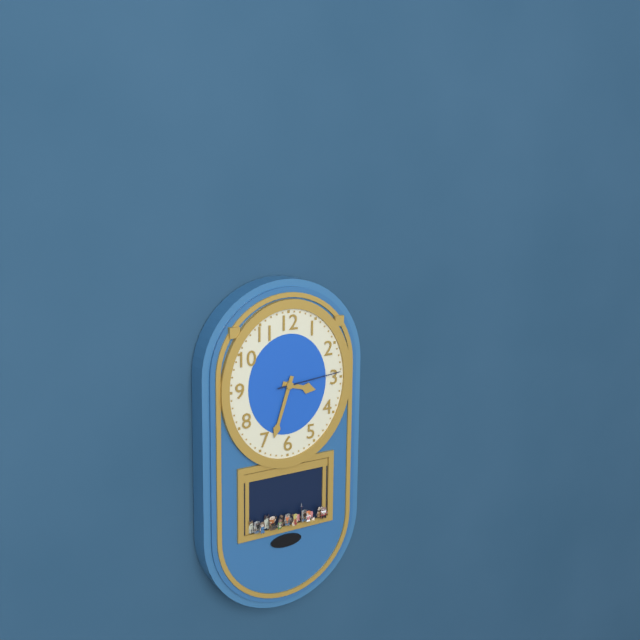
{"hour": 3, "minute": 33, "second": 14}
